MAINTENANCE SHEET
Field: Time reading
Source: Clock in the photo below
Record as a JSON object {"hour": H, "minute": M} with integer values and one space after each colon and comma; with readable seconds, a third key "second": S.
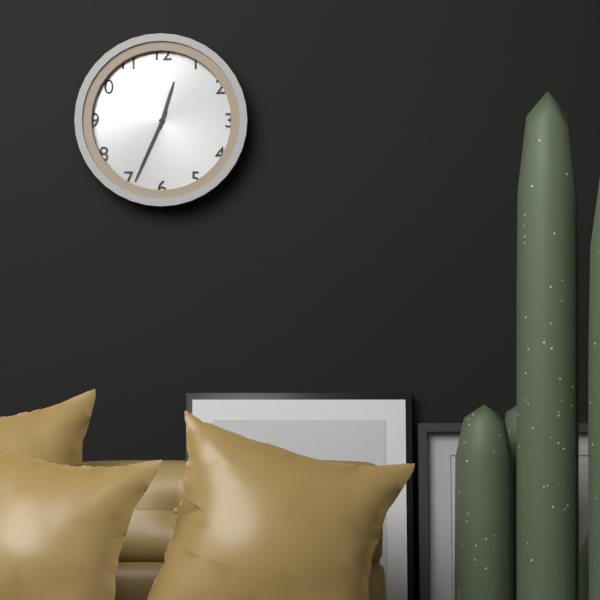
{"hour": 12, "minute": 34}
